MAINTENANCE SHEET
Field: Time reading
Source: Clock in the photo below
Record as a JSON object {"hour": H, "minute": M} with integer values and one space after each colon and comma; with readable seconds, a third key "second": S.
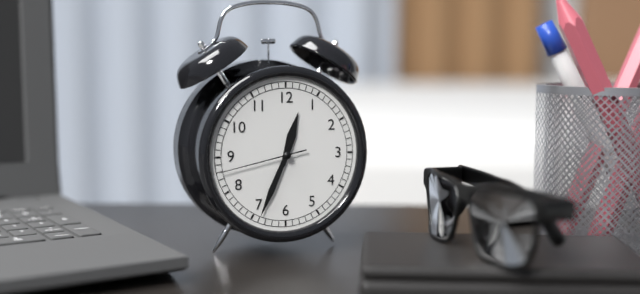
{"hour": 12, "minute": 34, "second": 43}
